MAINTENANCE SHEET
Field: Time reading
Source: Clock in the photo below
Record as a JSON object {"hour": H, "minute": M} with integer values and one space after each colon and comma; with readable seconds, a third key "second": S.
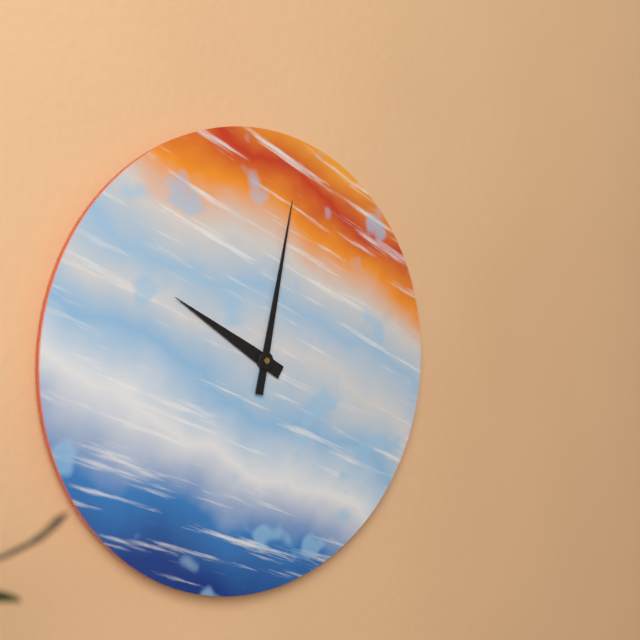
{"hour": 10, "minute": 2}
